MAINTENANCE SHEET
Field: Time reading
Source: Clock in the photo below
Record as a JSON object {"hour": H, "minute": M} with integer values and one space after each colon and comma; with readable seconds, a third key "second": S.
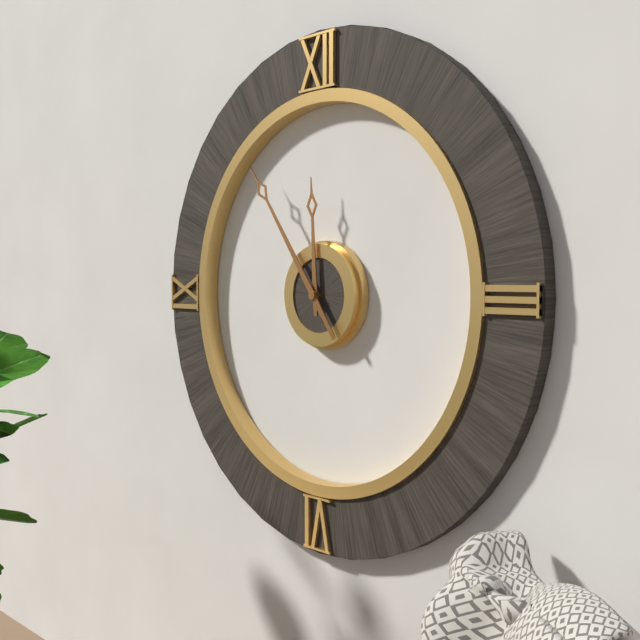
{"hour": 11, "minute": 54}
